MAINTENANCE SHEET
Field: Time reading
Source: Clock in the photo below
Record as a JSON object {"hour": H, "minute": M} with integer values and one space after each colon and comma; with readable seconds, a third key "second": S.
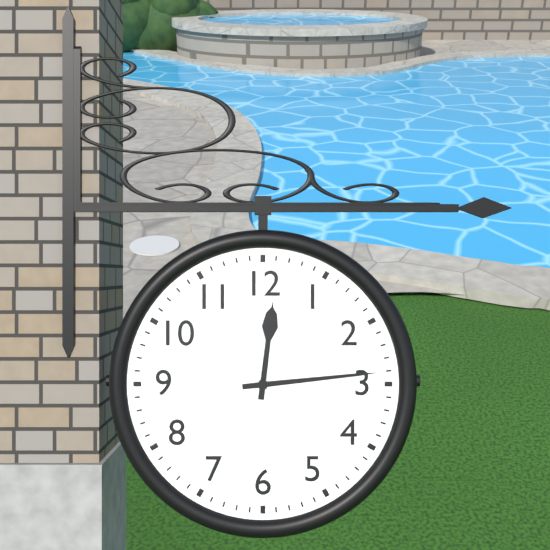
{"hour": 12, "minute": 14}
